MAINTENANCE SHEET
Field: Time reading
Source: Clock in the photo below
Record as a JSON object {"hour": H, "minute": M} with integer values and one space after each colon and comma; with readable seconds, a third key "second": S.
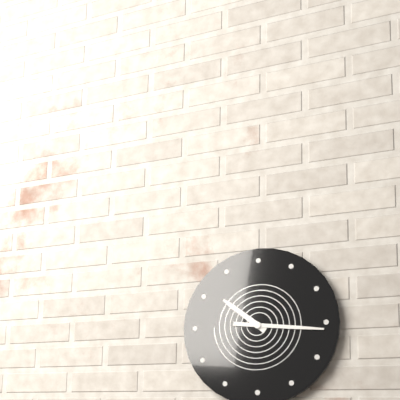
{"hour": 10, "minute": 16}
